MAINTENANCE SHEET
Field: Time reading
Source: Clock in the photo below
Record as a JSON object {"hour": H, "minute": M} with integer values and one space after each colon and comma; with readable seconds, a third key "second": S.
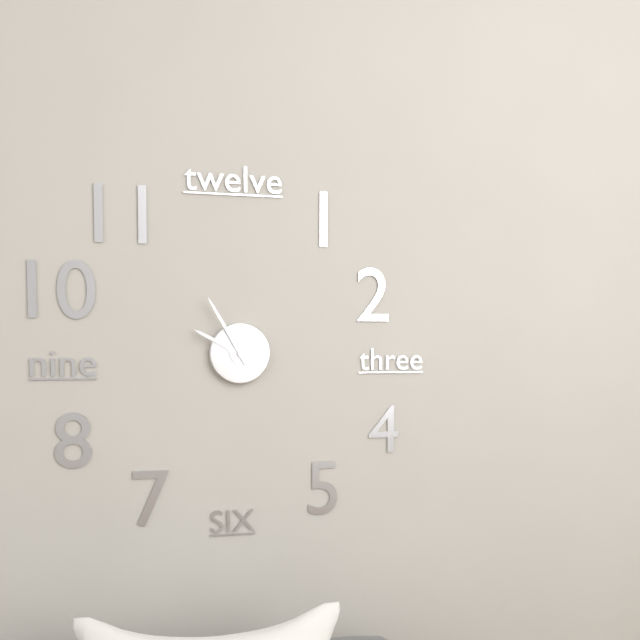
{"hour": 9, "minute": 55}
